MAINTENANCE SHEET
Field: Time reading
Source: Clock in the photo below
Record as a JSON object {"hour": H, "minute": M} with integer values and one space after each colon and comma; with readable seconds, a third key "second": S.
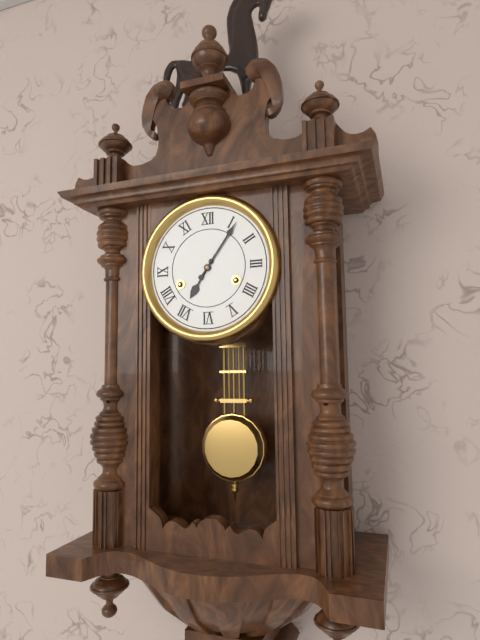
{"hour": 7, "minute": 6}
